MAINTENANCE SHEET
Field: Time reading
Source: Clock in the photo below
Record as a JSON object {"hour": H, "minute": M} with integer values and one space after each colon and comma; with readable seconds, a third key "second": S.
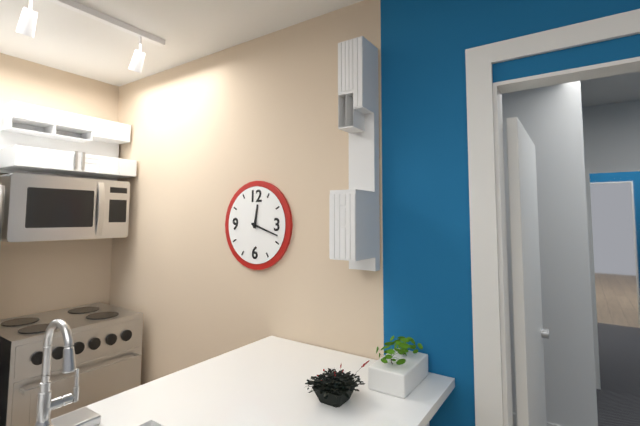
{"hour": 12, "minute": 18}
